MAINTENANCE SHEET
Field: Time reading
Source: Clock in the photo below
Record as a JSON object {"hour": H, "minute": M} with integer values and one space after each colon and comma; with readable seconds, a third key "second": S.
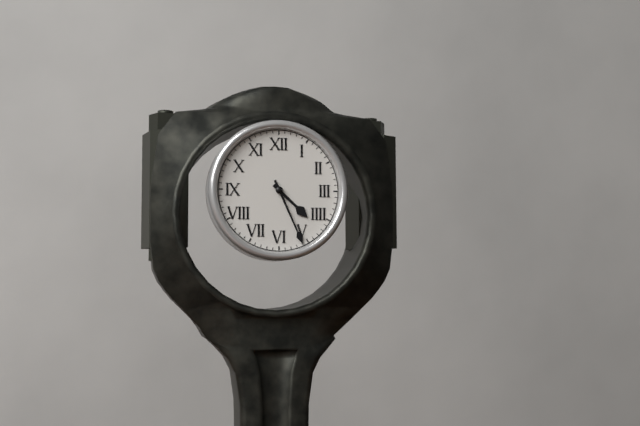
{"hour": 4, "minute": 26}
